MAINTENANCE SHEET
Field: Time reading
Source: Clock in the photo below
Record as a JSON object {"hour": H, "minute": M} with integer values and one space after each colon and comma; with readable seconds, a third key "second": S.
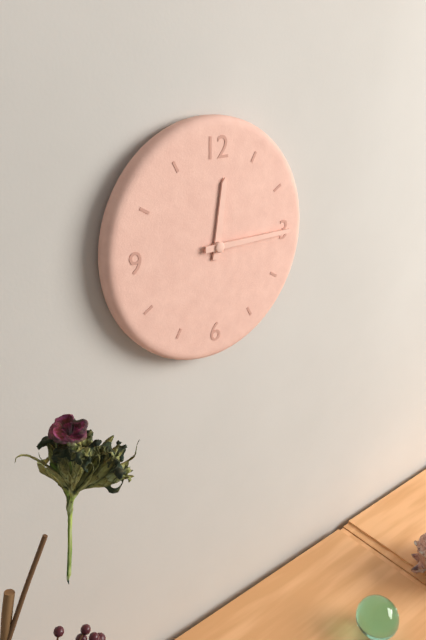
{"hour": 12, "minute": 15}
